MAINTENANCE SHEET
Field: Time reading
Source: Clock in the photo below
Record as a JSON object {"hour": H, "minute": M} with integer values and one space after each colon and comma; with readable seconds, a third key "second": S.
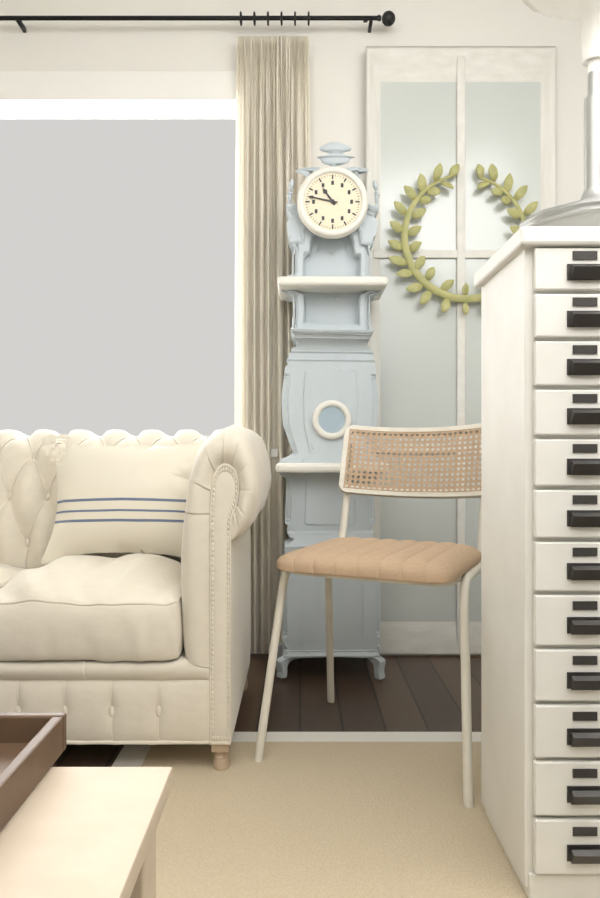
{"hour": 10, "minute": 47}
